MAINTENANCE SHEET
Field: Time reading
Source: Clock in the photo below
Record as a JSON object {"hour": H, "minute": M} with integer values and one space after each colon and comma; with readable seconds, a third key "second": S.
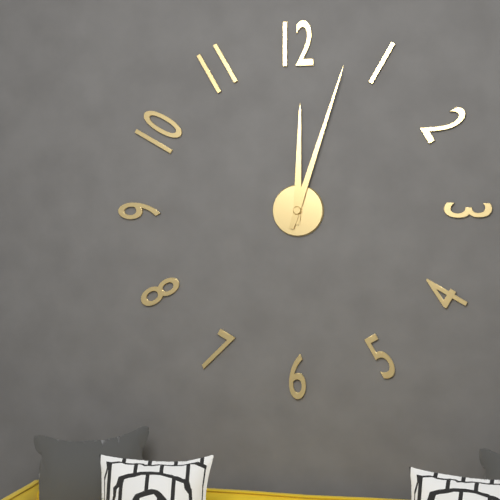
{"hour": 12, "minute": 3}
